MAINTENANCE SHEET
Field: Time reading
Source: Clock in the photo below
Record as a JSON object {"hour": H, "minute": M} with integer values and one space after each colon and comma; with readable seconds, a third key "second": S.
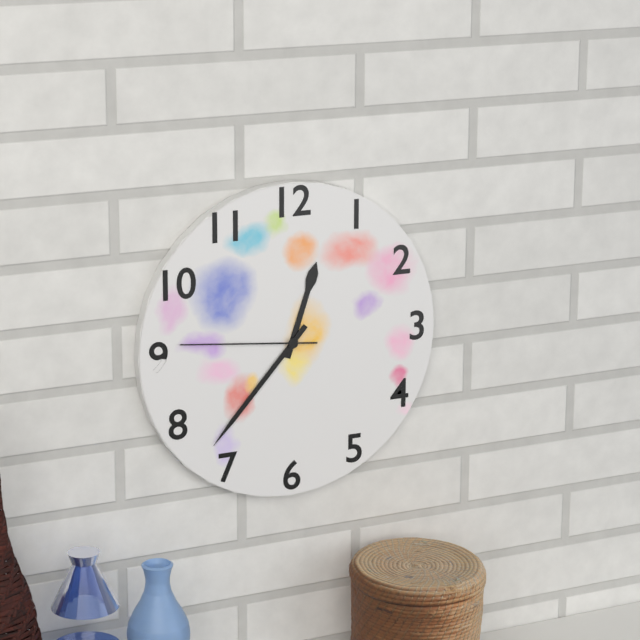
{"hour": 12, "minute": 37, "second": 46}
